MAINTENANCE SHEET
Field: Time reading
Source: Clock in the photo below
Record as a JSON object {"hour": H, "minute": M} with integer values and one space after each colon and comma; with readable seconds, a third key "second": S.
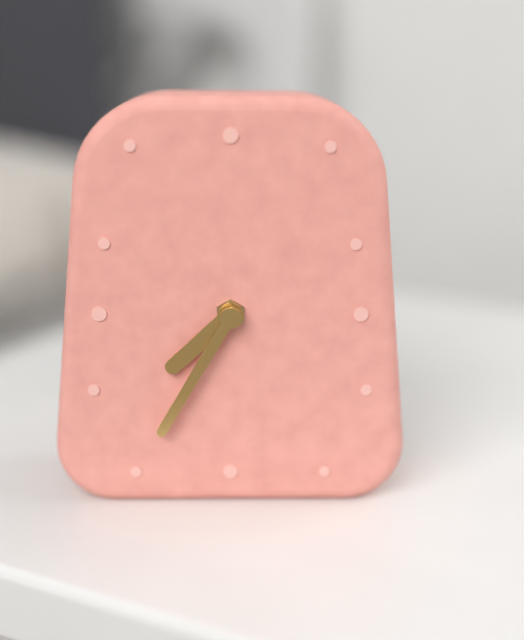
{"hour": 7, "minute": 35}
